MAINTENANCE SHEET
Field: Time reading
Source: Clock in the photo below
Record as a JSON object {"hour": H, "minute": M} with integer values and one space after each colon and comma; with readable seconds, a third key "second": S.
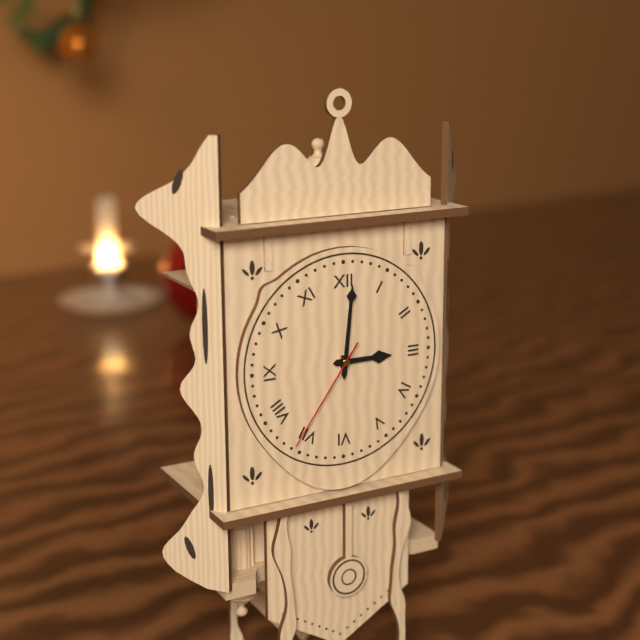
{"hour": 3, "minute": 1, "second": 36}
